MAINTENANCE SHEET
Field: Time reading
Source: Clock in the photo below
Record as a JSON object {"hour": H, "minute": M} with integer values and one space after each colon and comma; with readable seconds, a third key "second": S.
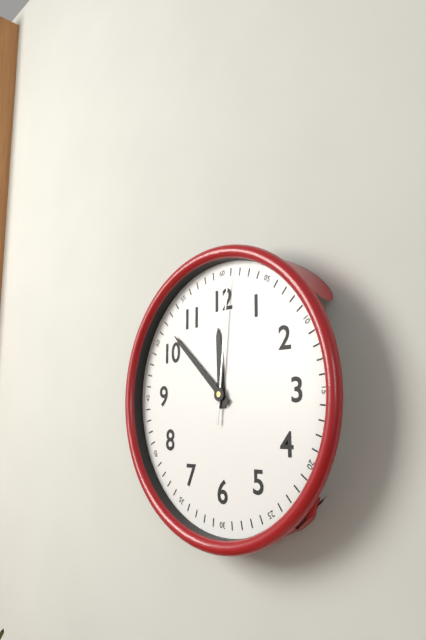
{"hour": 11, "minute": 52, "second": 1}
